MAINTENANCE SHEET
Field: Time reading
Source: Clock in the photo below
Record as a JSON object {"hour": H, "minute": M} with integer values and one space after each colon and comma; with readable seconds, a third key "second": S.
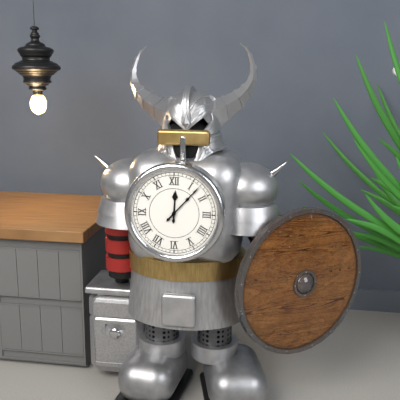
{"hour": 12, "minute": 7}
